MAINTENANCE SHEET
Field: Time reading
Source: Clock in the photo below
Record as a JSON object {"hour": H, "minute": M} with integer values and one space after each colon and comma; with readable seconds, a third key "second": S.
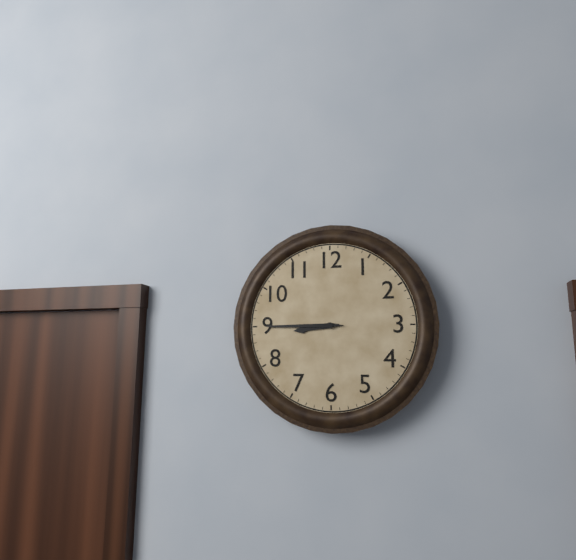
{"hour": 8, "minute": 45}
